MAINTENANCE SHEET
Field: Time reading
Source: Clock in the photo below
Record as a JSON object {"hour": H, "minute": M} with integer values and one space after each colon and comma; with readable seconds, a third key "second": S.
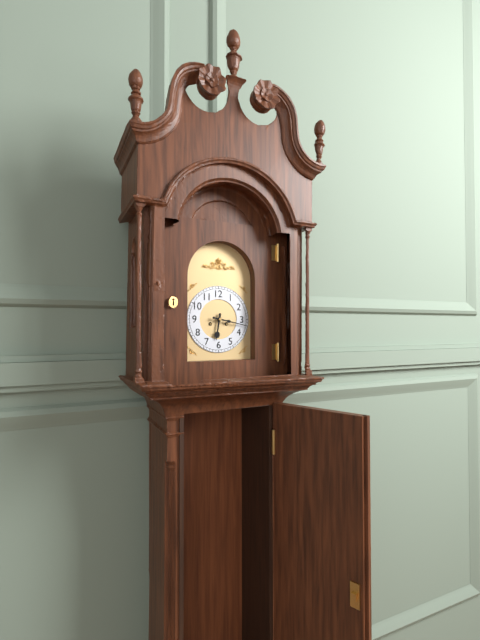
{"hour": 6, "minute": 17}
